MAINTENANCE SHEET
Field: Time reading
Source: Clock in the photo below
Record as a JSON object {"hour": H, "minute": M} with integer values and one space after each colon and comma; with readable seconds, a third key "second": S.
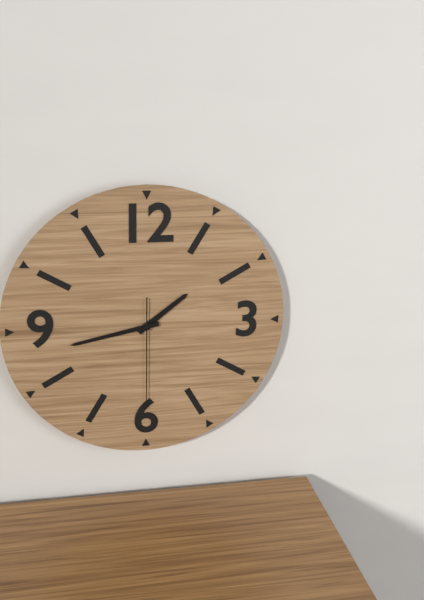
{"hour": 1, "minute": 43, "second": 30}
